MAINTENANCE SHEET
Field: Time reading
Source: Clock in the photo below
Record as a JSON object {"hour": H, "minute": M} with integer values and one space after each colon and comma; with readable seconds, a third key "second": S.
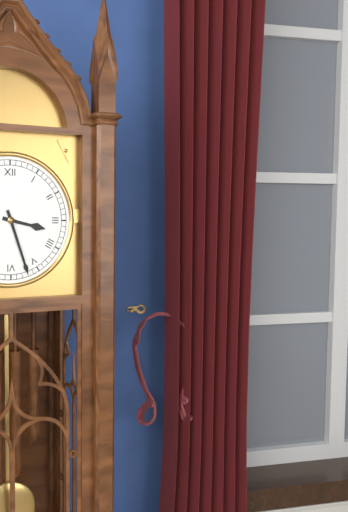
{"hour": 3, "minute": 27}
